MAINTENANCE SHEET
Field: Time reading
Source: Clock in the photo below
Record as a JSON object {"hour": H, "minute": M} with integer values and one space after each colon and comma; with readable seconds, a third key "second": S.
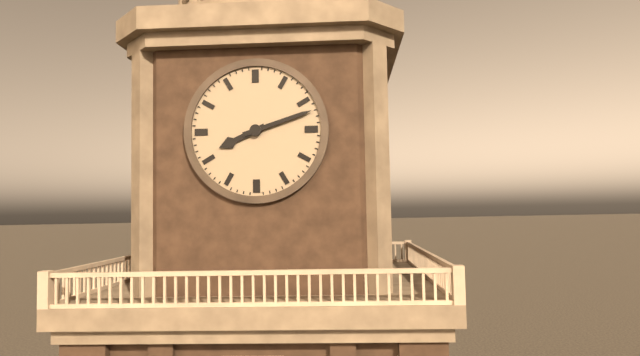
{"hour": 8, "minute": 12}
